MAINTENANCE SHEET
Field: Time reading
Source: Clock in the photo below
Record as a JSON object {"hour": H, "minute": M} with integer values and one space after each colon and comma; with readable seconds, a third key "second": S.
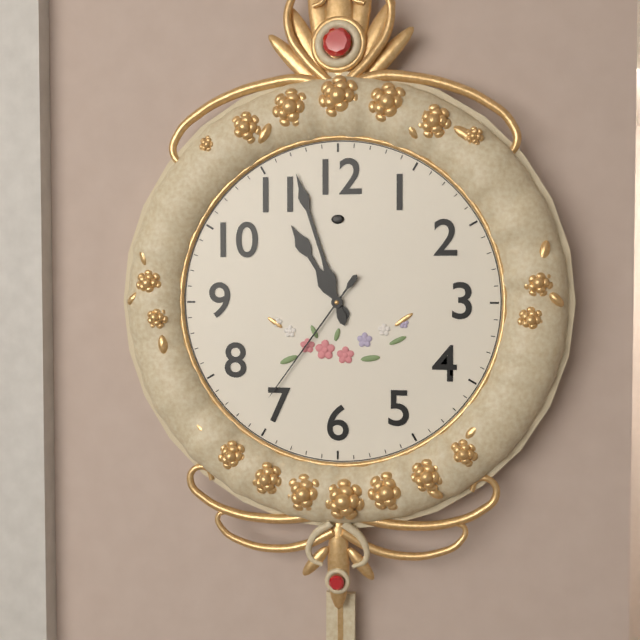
{"hour": 10, "minute": 57, "second": 36}
